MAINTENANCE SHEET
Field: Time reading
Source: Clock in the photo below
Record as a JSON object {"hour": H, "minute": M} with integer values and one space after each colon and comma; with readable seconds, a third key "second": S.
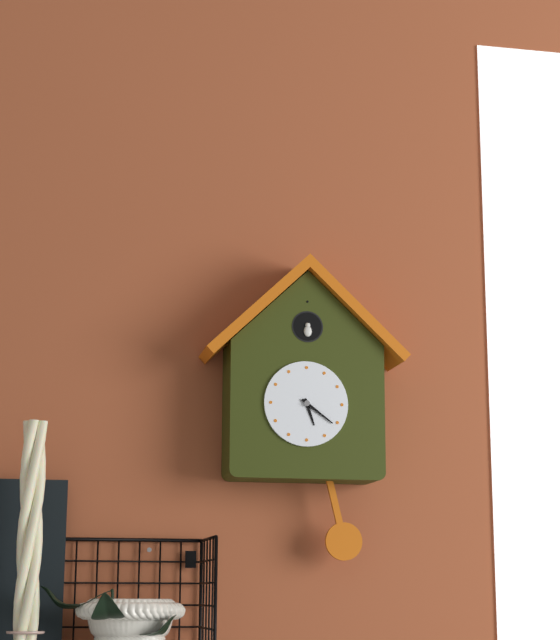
{"hour": 5, "minute": 21}
